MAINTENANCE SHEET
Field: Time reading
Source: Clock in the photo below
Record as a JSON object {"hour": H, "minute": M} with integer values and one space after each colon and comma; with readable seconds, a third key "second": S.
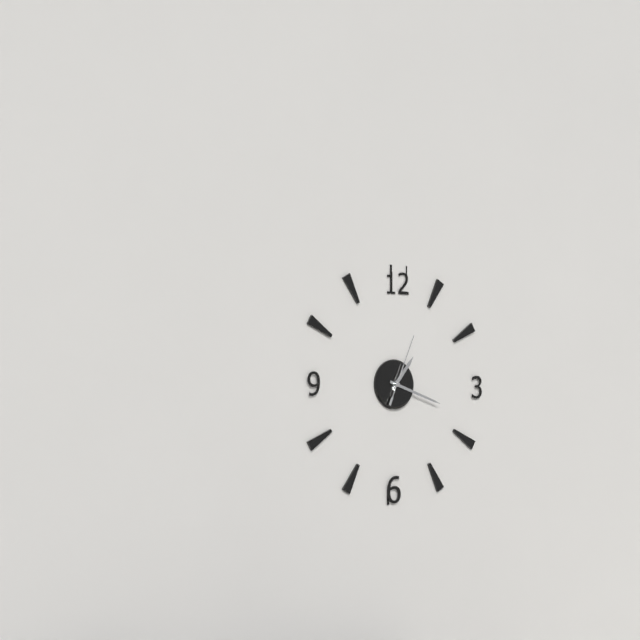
{"hour": 1, "minute": 18, "second": 4}
